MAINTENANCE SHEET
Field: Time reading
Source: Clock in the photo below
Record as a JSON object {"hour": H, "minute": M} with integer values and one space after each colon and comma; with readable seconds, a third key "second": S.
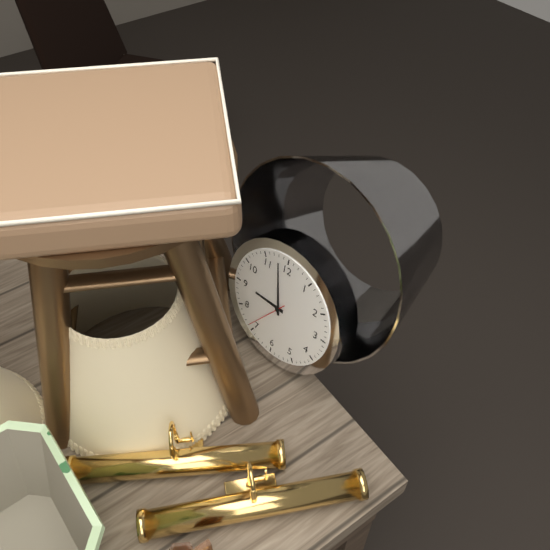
{"hour": 8, "minute": 58}
